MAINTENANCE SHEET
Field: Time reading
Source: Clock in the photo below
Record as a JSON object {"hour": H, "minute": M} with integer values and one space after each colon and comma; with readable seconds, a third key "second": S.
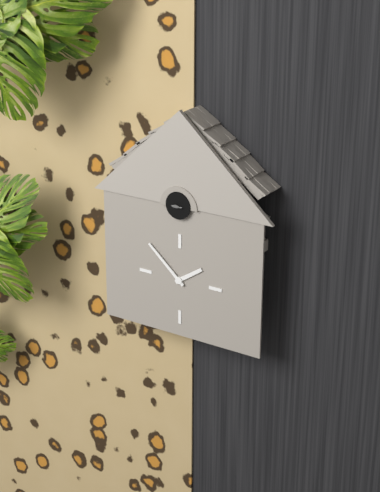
{"hour": 1, "minute": 52}
